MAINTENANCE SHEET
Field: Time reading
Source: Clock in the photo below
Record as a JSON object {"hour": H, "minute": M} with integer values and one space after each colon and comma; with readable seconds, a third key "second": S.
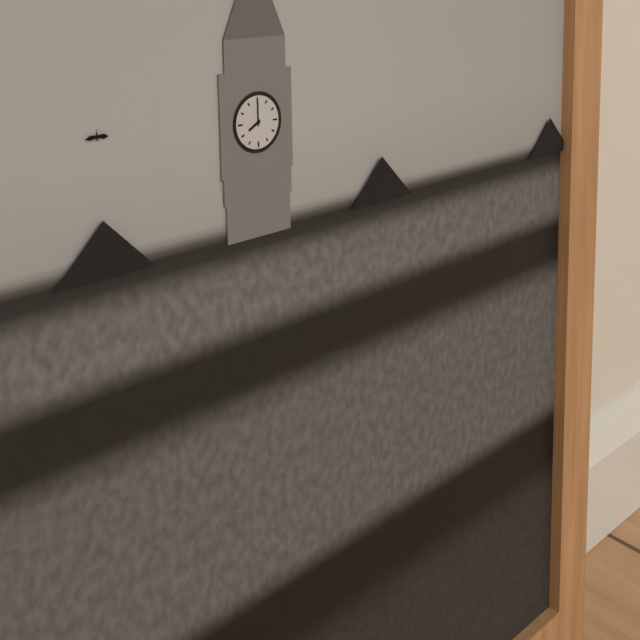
{"hour": 8, "minute": 0}
